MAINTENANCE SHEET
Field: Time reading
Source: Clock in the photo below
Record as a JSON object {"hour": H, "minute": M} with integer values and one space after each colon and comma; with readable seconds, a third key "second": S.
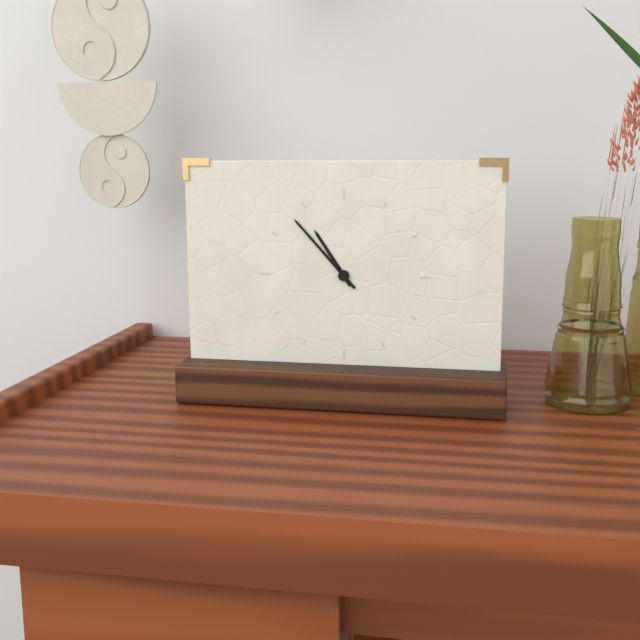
{"hour": 10, "minute": 53}
